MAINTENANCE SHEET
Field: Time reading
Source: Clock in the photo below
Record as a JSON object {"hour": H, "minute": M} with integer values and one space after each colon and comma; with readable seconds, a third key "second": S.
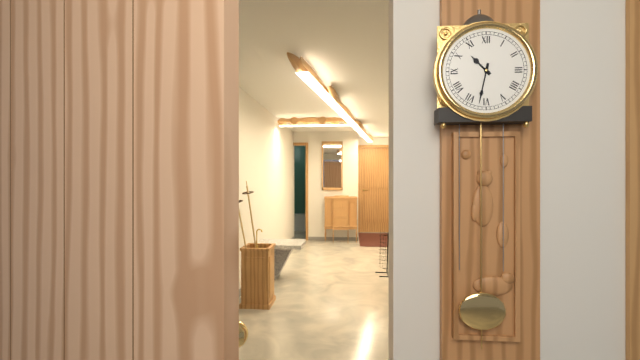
{"hour": 10, "minute": 32}
